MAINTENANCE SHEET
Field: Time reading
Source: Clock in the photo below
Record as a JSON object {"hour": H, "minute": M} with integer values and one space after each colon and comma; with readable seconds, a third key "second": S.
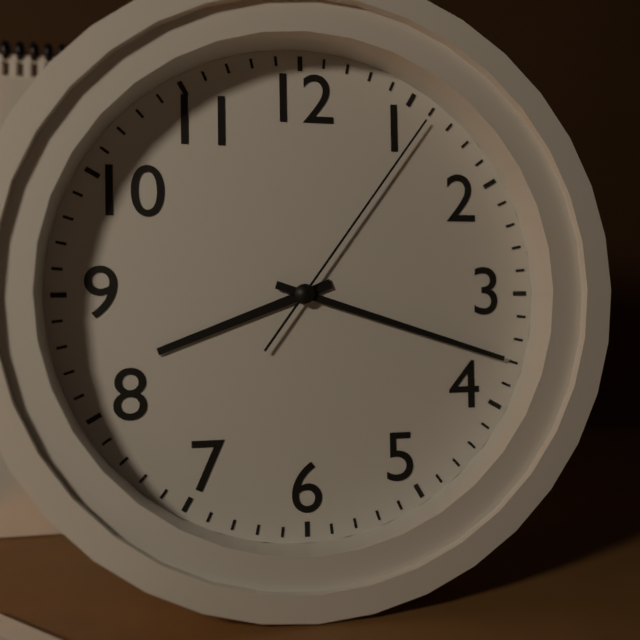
{"hour": 8, "minute": 18, "second": 6}
